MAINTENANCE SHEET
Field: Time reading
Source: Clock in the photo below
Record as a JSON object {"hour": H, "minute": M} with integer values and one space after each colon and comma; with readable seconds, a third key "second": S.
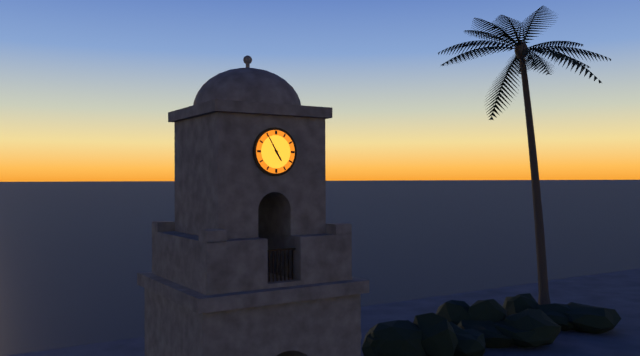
{"hour": 4, "minute": 55}
